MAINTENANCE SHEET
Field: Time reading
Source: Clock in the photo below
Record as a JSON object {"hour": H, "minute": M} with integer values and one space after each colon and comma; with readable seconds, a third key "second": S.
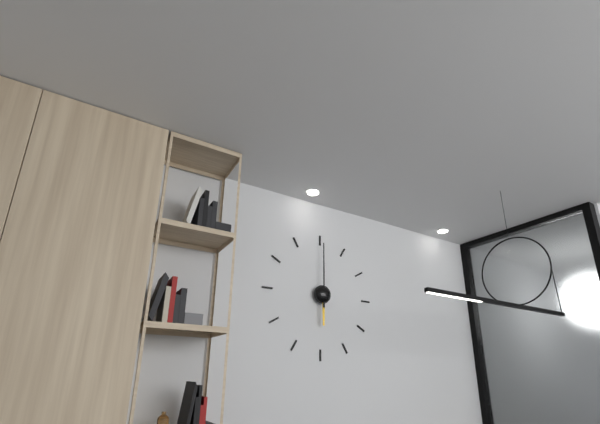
{"hour": 6, "minute": 0}
